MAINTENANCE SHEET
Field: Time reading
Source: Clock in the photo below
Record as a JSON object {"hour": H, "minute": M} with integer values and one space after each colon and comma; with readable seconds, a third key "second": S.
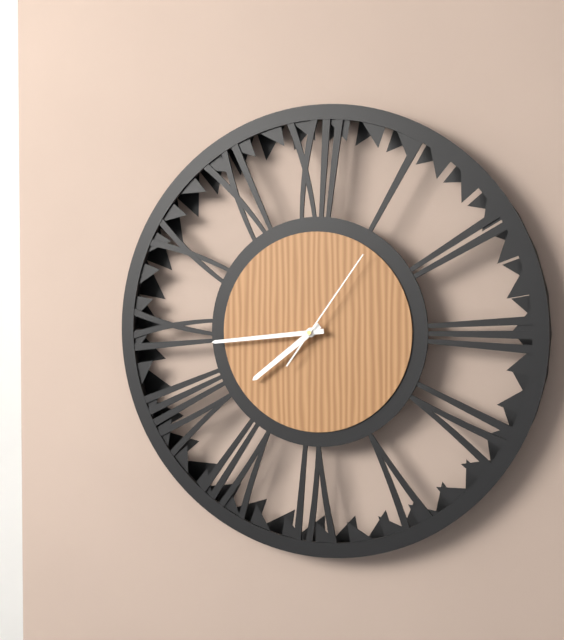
{"hour": 7, "minute": 44, "second": 6}
